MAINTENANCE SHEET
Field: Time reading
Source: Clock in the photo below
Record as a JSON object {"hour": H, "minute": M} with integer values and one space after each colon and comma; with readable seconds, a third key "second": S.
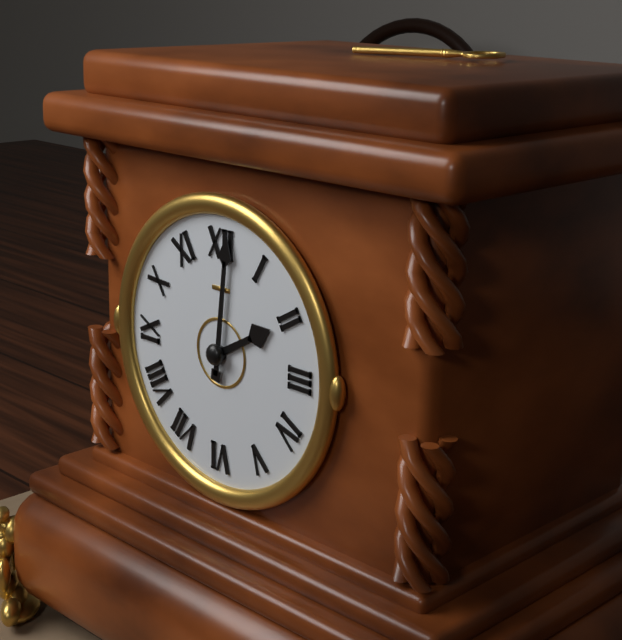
{"hour": 2, "minute": 1}
